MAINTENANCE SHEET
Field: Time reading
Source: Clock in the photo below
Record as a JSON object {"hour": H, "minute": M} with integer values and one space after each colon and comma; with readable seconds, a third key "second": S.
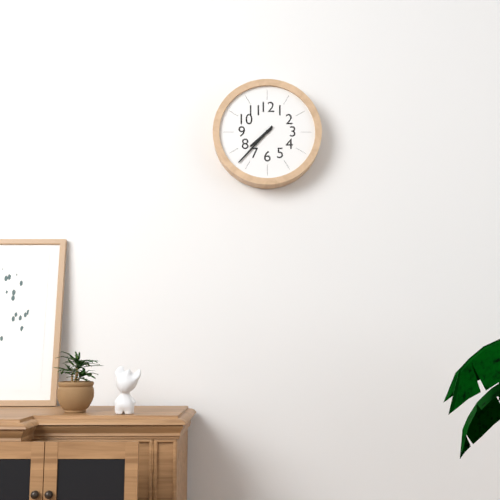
{"hour": 7, "minute": 37}
